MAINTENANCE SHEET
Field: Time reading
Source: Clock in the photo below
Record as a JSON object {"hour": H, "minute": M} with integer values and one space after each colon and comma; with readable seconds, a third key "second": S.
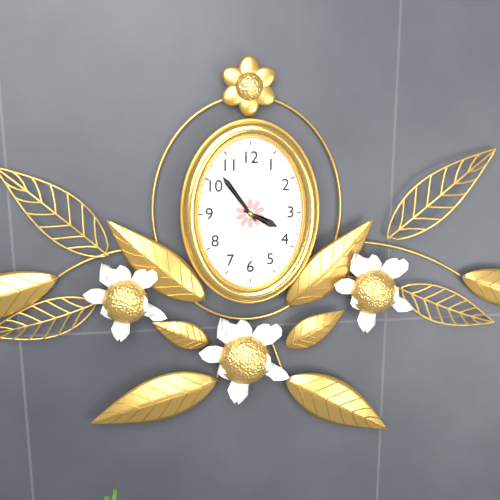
{"hour": 3, "minute": 54}
